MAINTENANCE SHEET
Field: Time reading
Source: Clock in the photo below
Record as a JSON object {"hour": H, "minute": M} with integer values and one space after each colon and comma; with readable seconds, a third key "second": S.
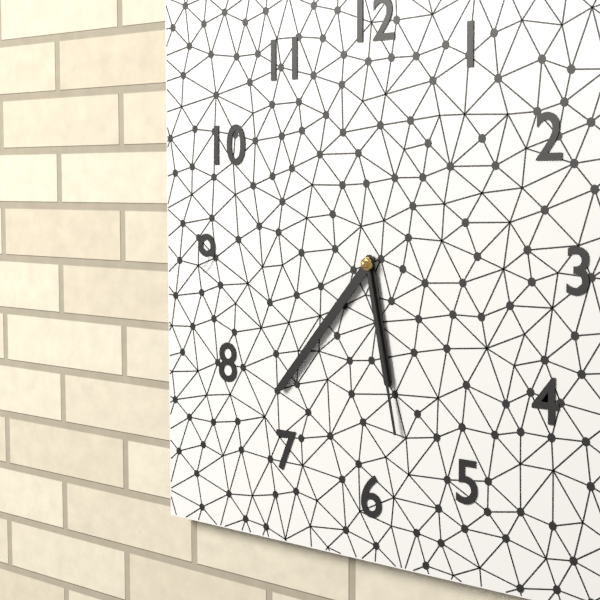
{"hour": 5, "minute": 37, "second": 28}
